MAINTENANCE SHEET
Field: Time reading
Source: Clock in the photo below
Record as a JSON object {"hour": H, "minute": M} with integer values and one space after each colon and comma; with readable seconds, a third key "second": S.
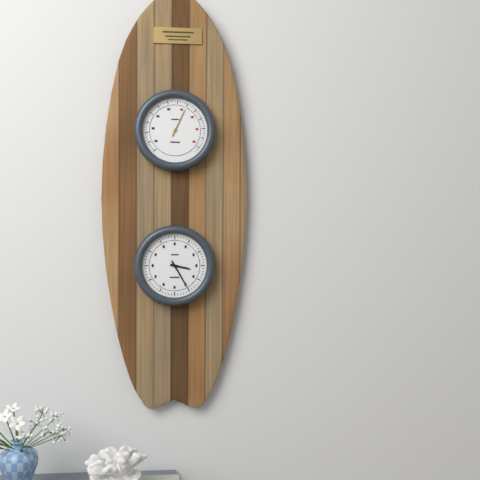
{"hour": 3, "minute": 25}
